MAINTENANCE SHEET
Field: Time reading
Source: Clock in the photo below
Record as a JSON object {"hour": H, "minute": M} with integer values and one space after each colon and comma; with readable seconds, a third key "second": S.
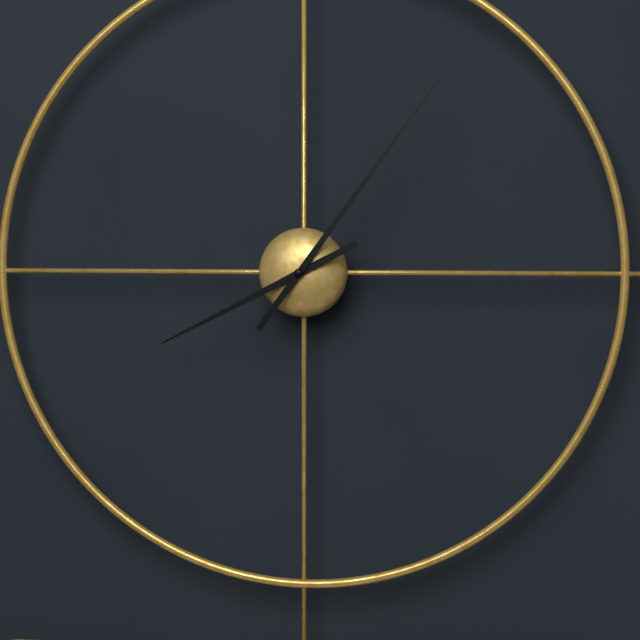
{"hour": 8, "minute": 6}
